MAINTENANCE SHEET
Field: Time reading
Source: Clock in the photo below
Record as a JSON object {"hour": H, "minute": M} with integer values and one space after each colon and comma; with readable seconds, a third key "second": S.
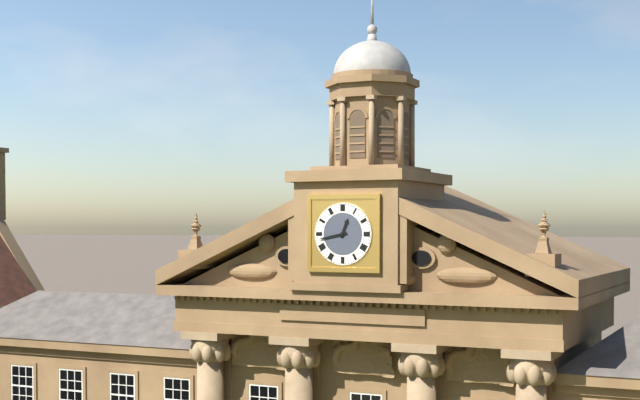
{"hour": 12, "minute": 43}
